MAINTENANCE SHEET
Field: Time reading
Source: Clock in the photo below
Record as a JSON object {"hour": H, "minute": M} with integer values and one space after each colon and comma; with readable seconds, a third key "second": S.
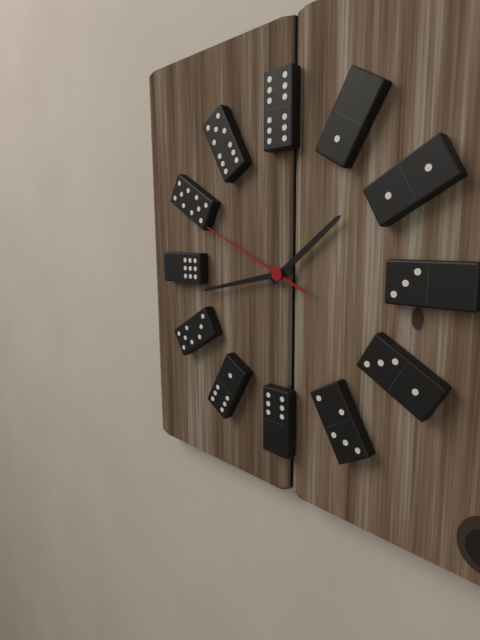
{"hour": 1, "minute": 43, "second": 49}
